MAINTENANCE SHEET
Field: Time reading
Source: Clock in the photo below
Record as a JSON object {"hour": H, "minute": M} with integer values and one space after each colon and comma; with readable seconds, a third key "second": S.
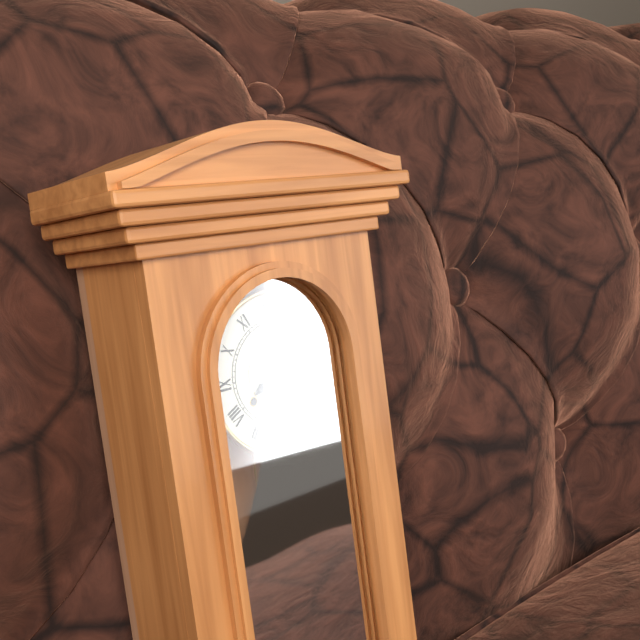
{"hour": 8, "minute": 3}
